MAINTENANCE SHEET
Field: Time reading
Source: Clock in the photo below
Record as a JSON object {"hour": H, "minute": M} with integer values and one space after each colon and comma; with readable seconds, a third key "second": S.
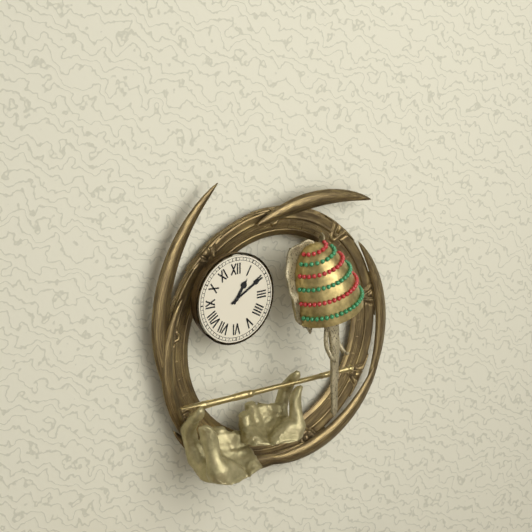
{"hour": 1, "minute": 10}
